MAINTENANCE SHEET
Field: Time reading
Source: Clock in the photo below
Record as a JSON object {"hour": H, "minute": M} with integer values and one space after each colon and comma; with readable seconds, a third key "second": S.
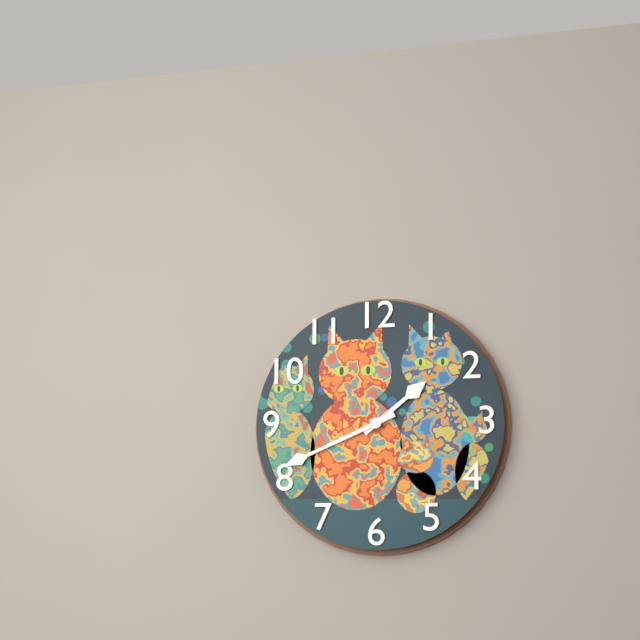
{"hour": 1, "minute": 41}
